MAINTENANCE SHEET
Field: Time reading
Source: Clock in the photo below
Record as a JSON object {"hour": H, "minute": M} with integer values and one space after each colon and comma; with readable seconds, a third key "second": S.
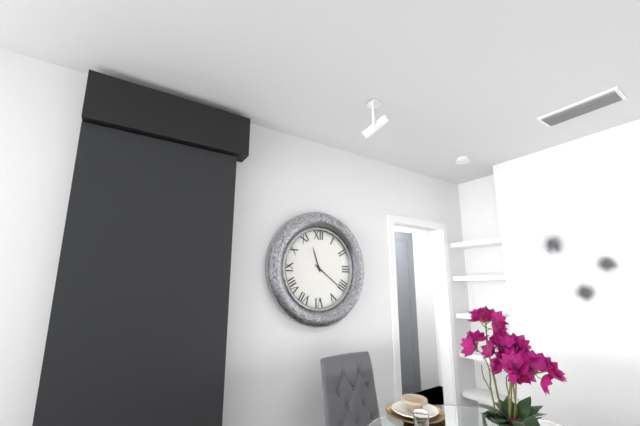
{"hour": 11, "minute": 21}
